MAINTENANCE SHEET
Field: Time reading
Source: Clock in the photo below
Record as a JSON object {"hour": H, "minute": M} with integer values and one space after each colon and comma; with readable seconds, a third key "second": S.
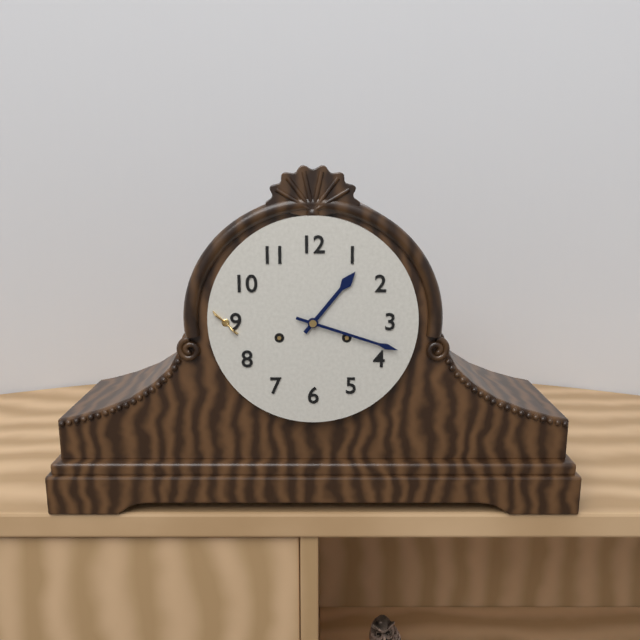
{"hour": 1, "minute": 18}
